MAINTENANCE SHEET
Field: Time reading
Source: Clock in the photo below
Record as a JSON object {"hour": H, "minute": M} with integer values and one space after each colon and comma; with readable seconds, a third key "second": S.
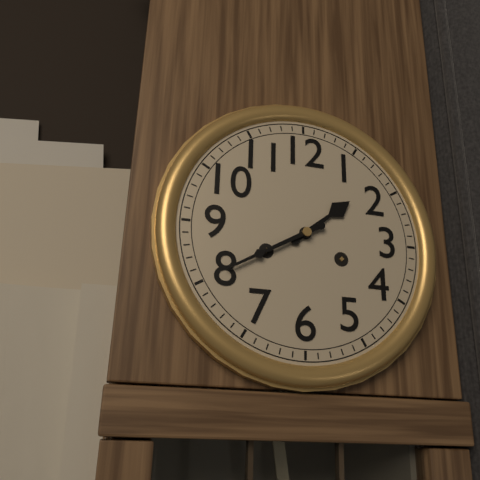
{"hour": 1, "minute": 40}
